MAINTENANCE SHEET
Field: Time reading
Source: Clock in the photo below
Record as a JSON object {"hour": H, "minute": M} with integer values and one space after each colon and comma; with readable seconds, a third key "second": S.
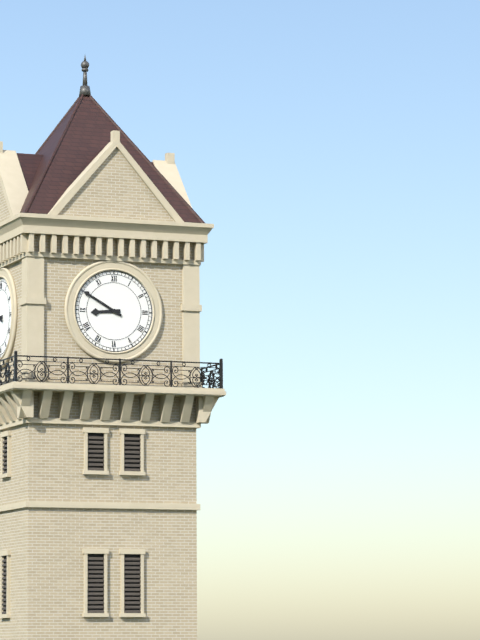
{"hour": 8, "minute": 50}
